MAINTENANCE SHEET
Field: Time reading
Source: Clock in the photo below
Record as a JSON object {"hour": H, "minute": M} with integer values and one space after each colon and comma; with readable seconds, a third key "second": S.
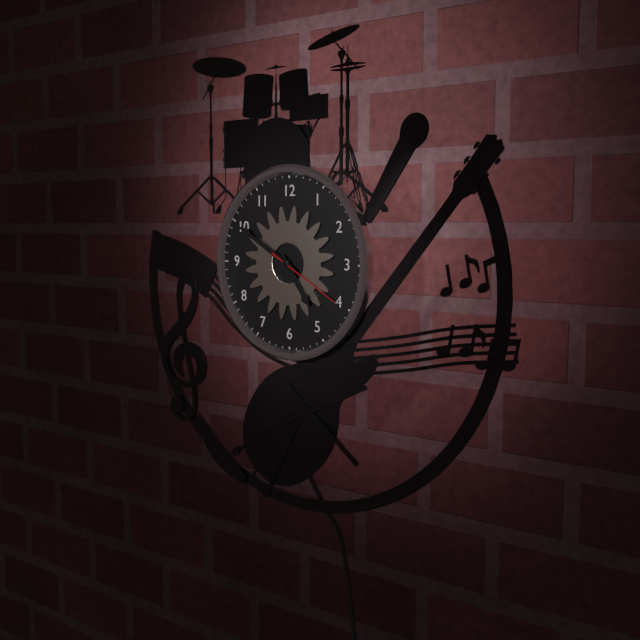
{"hour": 4, "minute": 50, "second": 20}
